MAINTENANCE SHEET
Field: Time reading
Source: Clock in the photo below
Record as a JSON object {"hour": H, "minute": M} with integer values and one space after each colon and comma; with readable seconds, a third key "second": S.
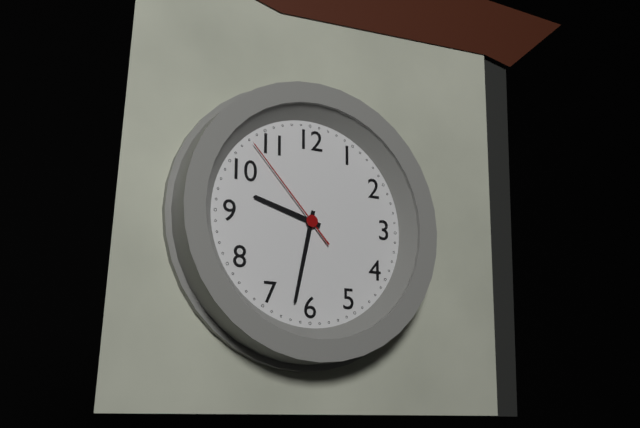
{"hour": 9, "minute": 32, "second": 53}
